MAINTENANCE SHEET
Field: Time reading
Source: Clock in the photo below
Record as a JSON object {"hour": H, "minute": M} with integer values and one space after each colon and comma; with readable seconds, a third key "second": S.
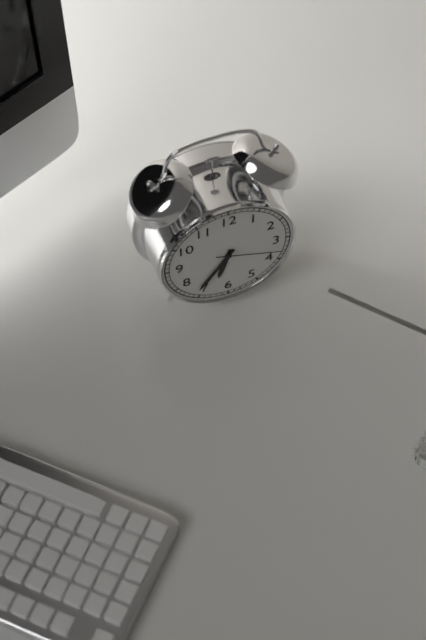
{"hour": 6, "minute": 36, "second": 18}
